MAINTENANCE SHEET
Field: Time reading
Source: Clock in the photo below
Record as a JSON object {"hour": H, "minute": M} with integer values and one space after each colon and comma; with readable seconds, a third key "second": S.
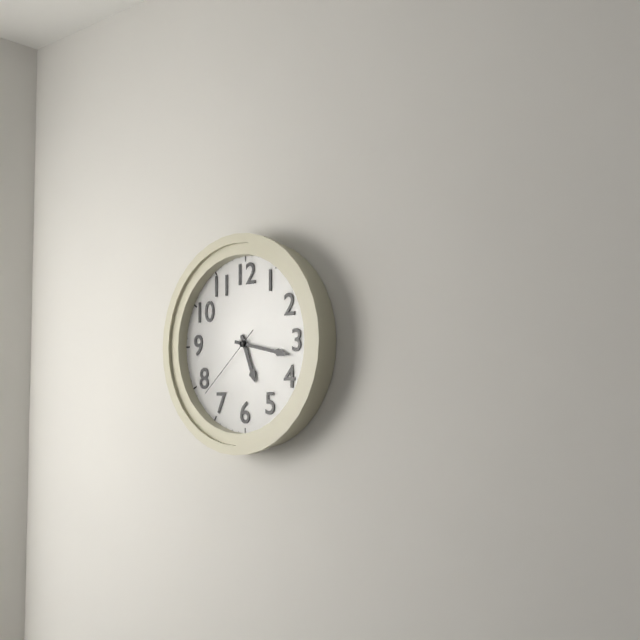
{"hour": 5, "minute": 17, "second": 38}
